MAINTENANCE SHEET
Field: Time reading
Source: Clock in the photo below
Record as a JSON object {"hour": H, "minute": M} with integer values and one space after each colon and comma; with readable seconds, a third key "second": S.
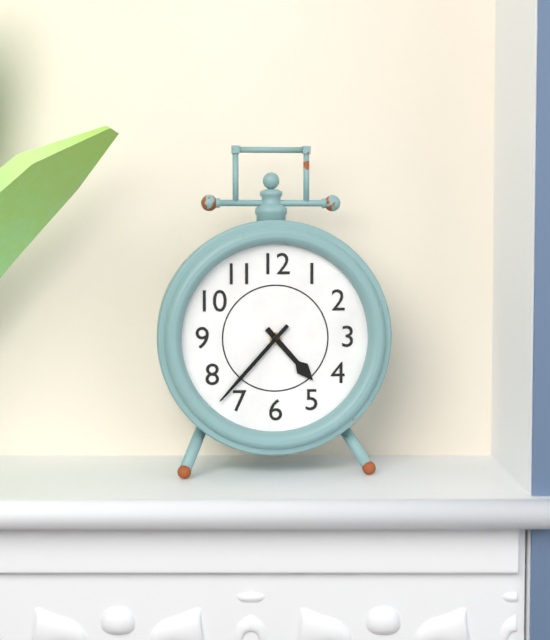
{"hour": 4, "minute": 37}
